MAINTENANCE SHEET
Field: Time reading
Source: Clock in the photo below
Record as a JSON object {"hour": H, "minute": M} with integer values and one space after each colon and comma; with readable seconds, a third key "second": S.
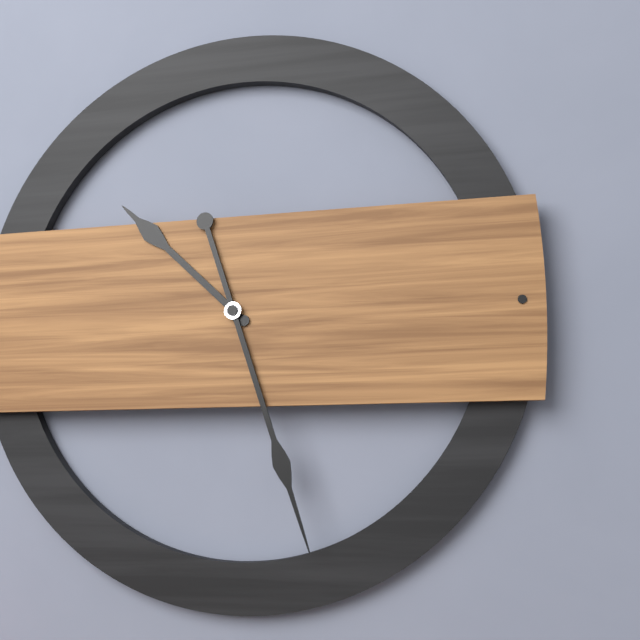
{"hour": 10, "minute": 27}
